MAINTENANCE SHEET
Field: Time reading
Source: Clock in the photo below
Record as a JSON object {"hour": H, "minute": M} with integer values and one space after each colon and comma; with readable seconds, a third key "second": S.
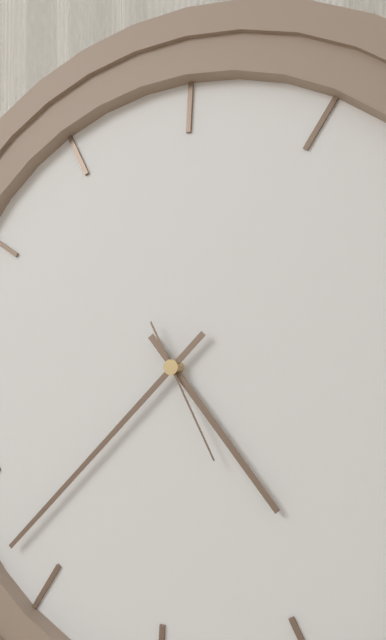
{"hour": 4, "minute": 37, "second": 25}
